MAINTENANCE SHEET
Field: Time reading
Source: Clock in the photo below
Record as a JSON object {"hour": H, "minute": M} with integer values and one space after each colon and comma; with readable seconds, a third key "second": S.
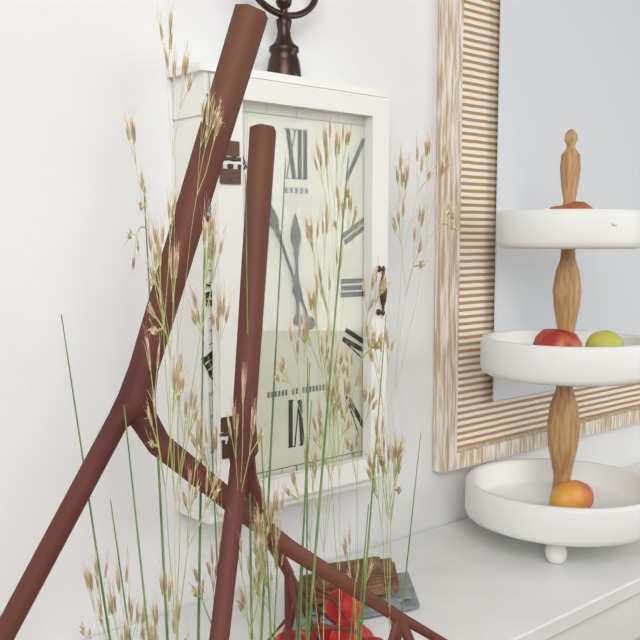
{"hour": 11, "minute": 56}
